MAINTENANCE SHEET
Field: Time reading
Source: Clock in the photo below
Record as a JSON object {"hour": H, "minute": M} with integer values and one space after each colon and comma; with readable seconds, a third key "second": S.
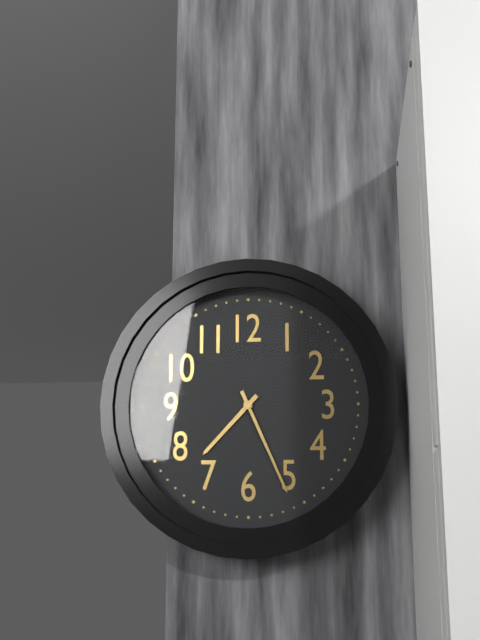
{"hour": 7, "minute": 26}
